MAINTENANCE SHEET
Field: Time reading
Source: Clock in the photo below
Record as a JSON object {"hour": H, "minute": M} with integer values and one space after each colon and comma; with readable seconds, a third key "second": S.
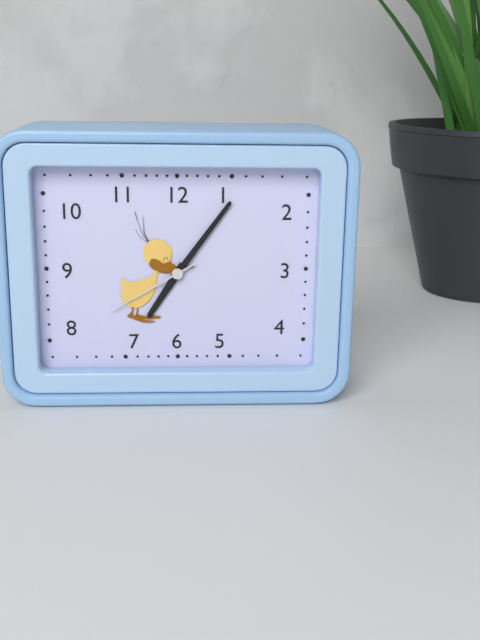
{"hour": 7, "minute": 6, "second": 40}
